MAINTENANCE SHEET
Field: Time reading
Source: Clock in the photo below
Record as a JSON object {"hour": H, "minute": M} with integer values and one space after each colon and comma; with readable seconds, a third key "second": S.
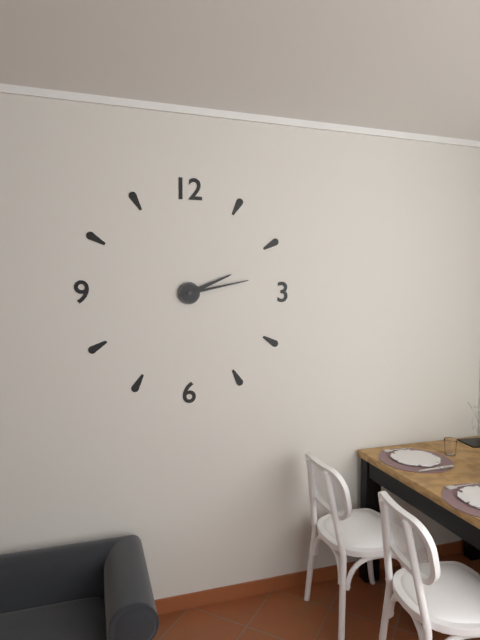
{"hour": 2, "minute": 13}
